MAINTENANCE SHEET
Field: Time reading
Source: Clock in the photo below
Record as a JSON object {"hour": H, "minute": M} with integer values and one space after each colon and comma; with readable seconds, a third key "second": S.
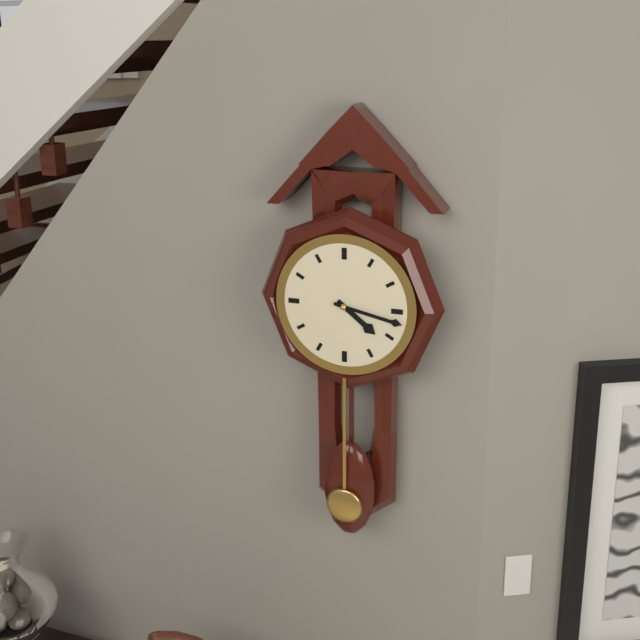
{"hour": 4, "minute": 17}
